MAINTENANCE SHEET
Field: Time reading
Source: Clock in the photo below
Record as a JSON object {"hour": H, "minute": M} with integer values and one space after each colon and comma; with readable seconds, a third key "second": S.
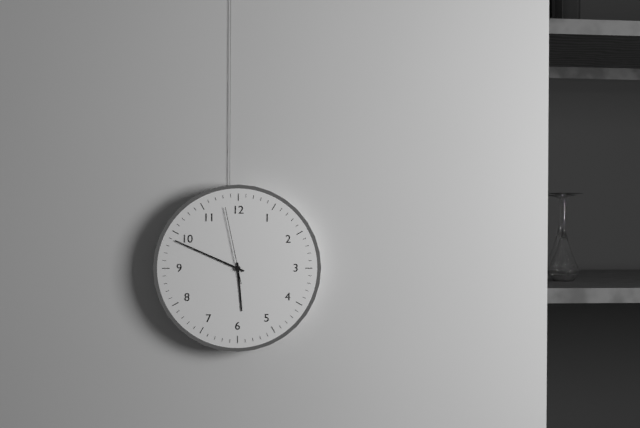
{"hour": 5, "minute": 49, "second": 58}
